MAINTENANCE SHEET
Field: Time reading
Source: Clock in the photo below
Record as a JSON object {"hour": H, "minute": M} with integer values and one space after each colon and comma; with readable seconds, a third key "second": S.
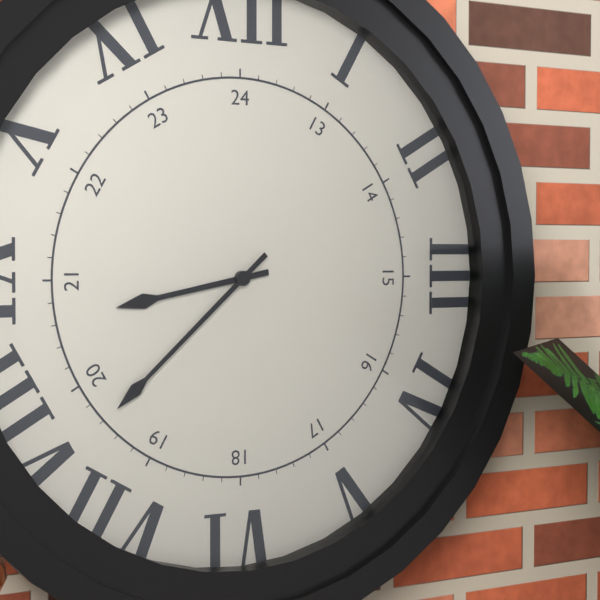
{"hour": 8, "minute": 38}
